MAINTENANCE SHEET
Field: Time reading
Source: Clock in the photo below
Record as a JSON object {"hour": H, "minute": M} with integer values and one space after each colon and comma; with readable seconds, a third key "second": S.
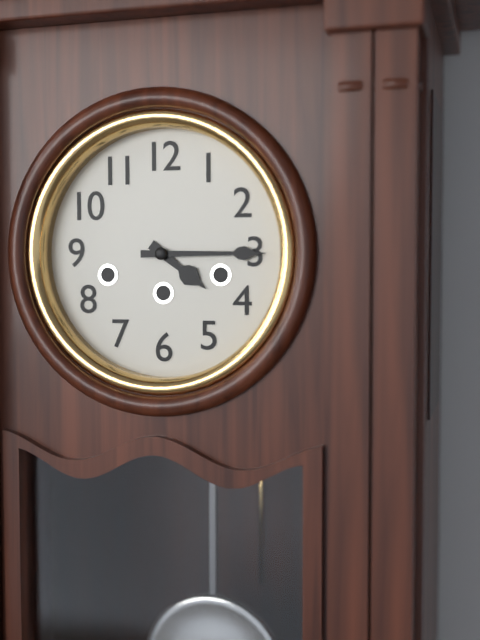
{"hour": 4, "minute": 15}
